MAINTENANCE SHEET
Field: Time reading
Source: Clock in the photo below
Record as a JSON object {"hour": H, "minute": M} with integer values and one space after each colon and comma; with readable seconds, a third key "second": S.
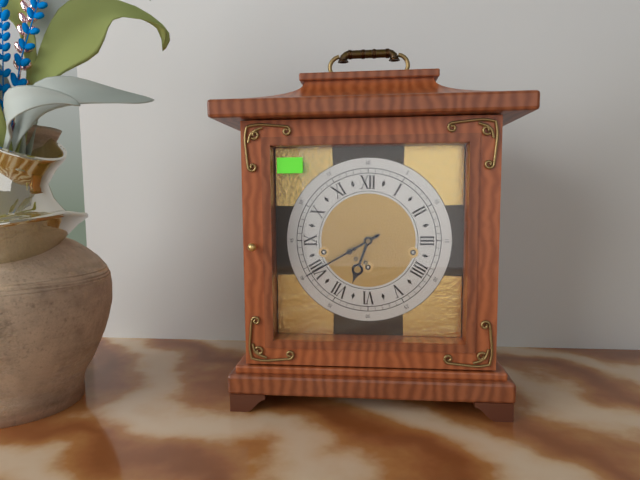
{"hour": 6, "minute": 40}
